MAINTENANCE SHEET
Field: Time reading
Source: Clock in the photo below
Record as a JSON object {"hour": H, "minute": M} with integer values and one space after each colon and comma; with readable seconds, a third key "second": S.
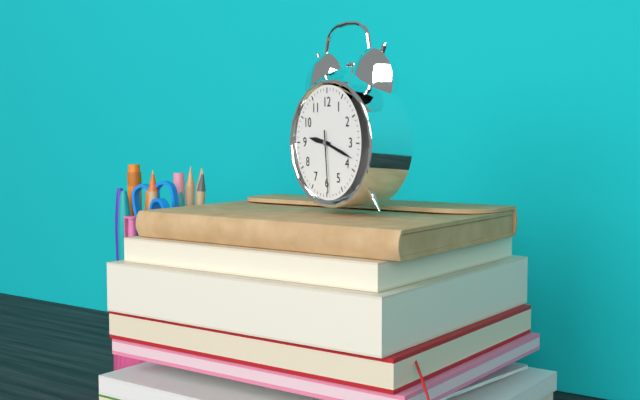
{"hour": 9, "minute": 18, "second": 29}
